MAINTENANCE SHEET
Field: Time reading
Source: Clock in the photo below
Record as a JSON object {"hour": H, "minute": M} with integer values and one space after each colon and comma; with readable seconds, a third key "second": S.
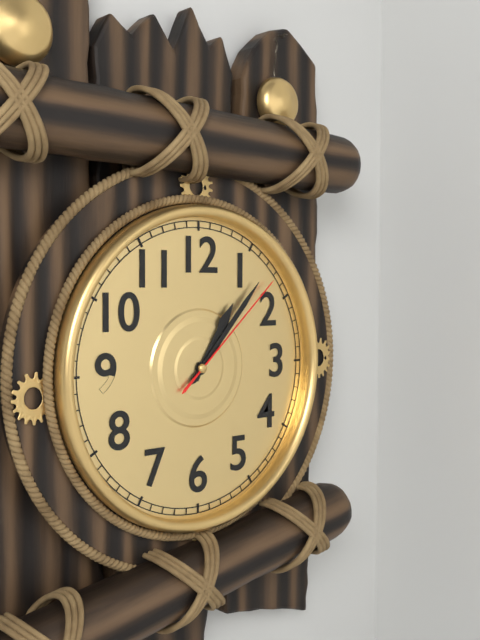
{"hour": 1, "minute": 7, "second": 8}
